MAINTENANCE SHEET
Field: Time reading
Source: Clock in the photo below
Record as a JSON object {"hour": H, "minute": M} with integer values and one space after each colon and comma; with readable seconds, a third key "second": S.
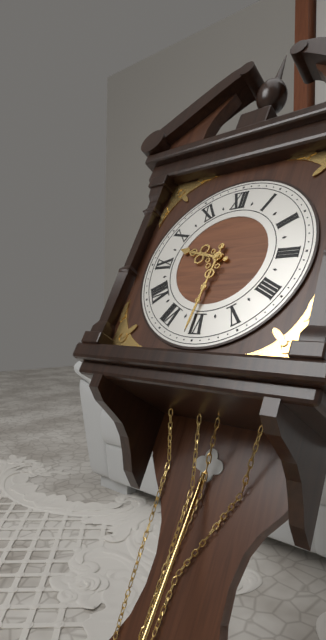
{"hour": 9, "minute": 31}
